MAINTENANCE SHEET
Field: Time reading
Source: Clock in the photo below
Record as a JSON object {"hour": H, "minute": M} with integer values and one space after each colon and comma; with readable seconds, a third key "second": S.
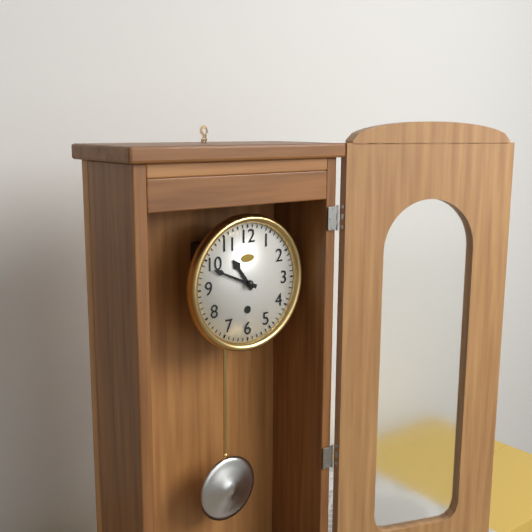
{"hour": 10, "minute": 49}
